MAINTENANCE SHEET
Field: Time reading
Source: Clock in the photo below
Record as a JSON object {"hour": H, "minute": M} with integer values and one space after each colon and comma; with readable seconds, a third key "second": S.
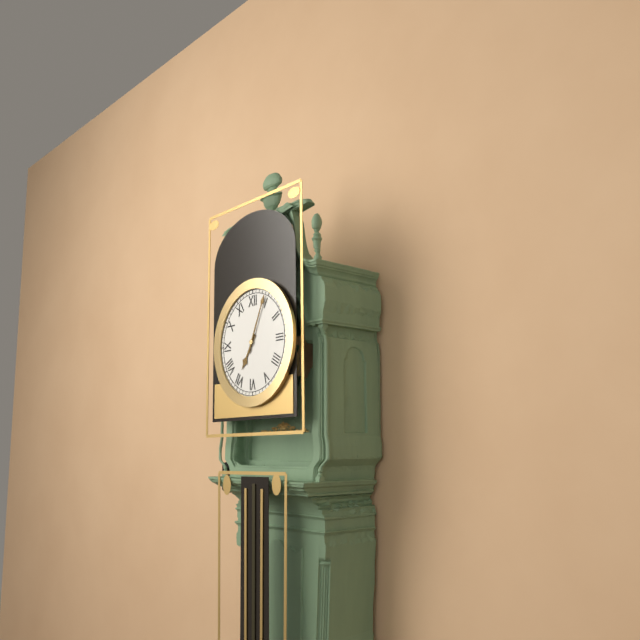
{"hour": 7, "minute": 4}
